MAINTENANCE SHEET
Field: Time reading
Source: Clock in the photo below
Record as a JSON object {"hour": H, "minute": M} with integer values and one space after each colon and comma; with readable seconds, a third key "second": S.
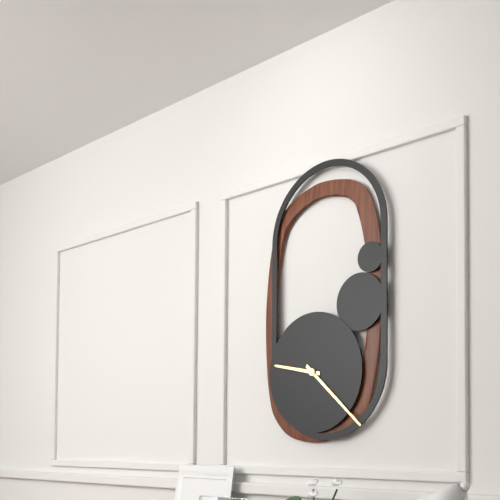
{"hour": 9, "minute": 22}
